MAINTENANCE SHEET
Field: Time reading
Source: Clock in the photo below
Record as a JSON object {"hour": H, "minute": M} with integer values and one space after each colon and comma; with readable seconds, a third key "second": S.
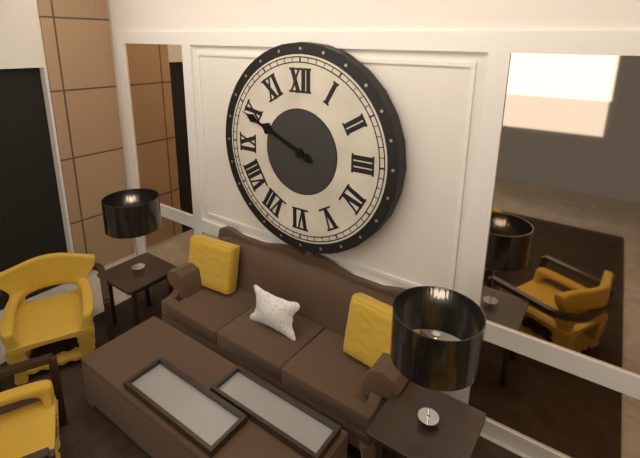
{"hour": 9, "minute": 49}
